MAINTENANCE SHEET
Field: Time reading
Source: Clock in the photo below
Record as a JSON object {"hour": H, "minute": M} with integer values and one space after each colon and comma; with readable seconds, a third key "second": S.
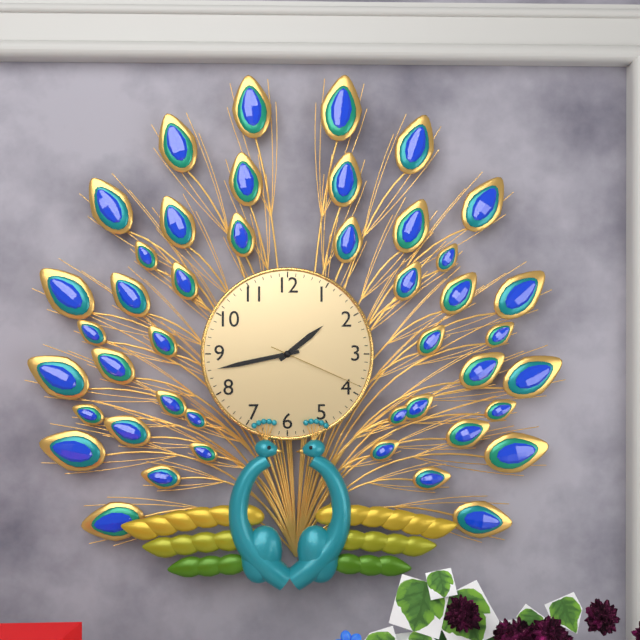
{"hour": 1, "minute": 43, "second": 19}
